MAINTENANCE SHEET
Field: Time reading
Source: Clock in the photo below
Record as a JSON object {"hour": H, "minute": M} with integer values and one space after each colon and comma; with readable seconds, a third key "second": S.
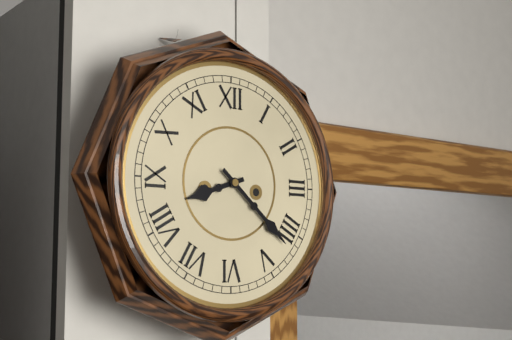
{"hour": 8, "minute": 22}
